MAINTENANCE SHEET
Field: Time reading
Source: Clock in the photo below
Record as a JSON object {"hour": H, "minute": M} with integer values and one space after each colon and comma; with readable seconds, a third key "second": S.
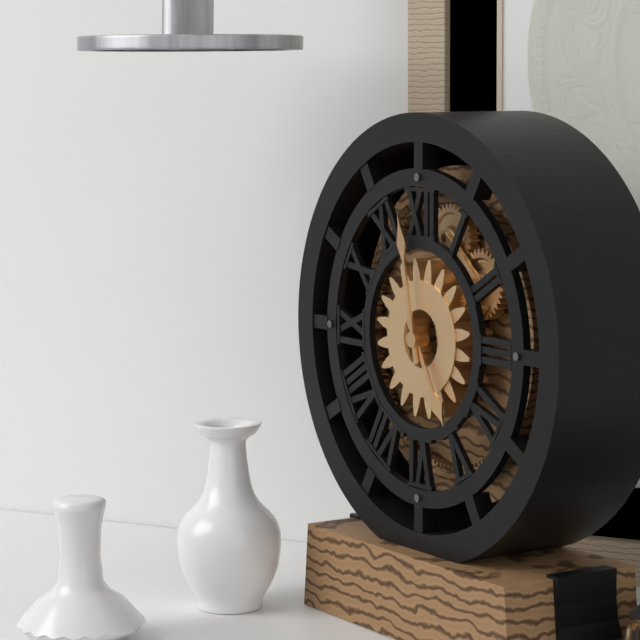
{"hour": 4, "minute": 58}
